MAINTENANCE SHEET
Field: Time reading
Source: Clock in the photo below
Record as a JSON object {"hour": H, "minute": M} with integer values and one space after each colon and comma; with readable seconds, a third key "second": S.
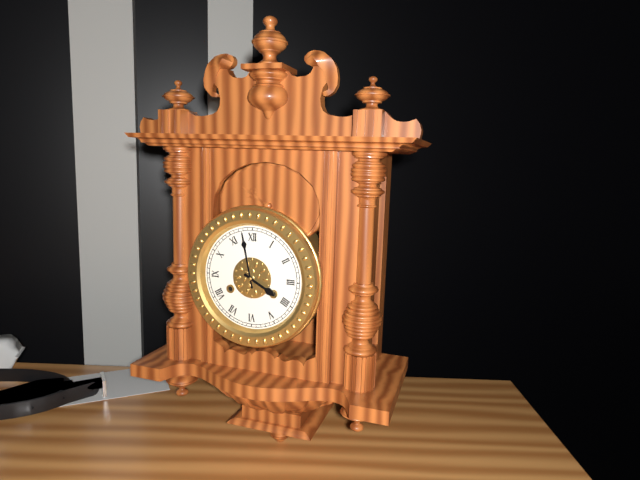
{"hour": 3, "minute": 58}
